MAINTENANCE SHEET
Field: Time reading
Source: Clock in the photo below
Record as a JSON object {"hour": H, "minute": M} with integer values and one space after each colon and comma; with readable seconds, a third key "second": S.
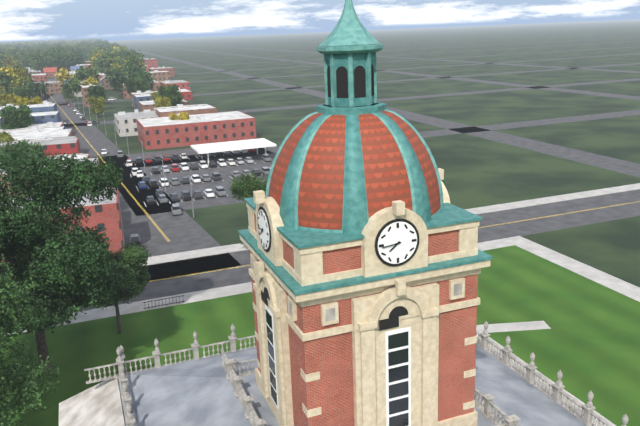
{"hour": 7, "minute": 44}
